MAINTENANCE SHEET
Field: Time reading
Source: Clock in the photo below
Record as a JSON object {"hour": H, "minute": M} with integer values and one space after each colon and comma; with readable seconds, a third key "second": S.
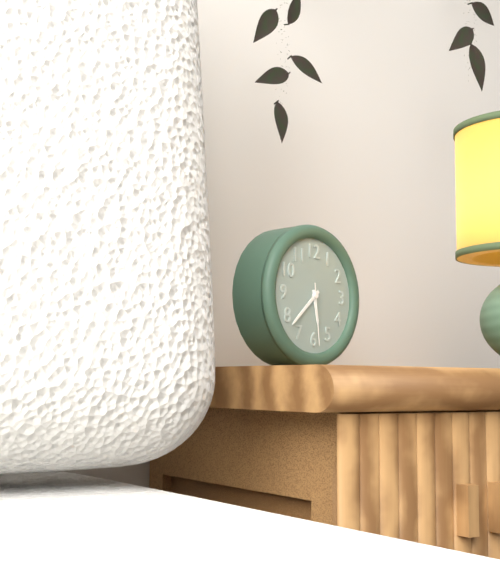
{"hour": 5, "minute": 38, "second": 29}
